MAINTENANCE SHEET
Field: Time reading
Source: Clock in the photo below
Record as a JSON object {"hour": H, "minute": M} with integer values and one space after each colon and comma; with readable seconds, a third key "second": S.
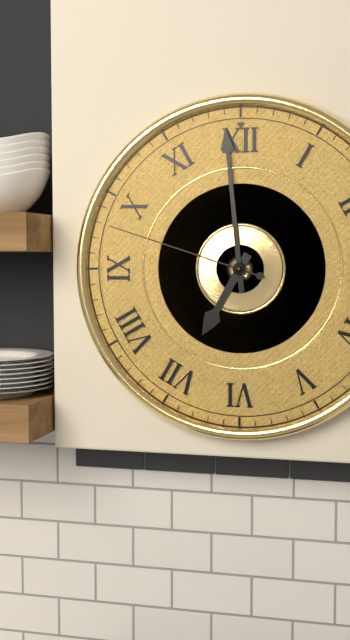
{"hour": 6, "minute": 59, "second": 48}
